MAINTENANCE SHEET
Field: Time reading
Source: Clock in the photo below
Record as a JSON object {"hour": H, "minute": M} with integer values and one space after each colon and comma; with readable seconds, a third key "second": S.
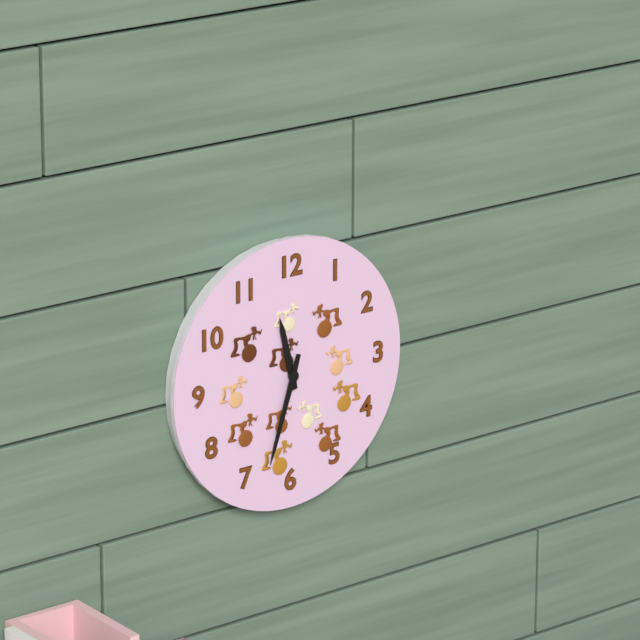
{"hour": 11, "minute": 33}
